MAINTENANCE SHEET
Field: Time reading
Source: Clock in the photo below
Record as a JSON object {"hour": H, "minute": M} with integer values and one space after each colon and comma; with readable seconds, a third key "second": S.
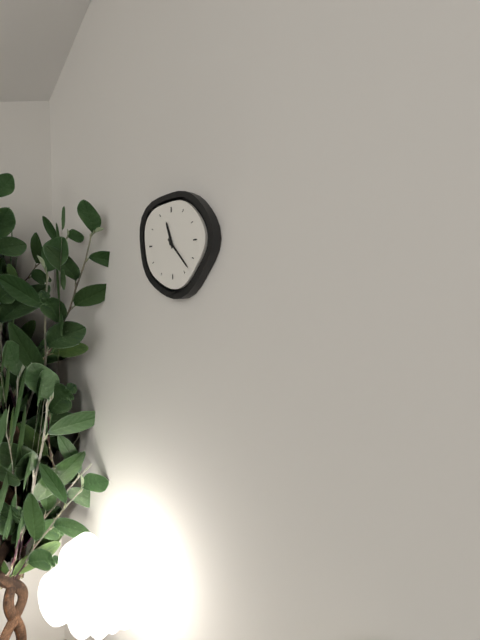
{"hour": 11, "minute": 23}
